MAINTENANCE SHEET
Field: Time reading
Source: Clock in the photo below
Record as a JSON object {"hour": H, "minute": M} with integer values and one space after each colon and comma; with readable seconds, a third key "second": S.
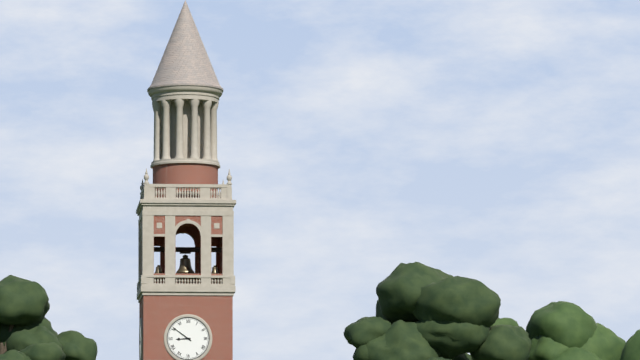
{"hour": 8, "minute": 51}
